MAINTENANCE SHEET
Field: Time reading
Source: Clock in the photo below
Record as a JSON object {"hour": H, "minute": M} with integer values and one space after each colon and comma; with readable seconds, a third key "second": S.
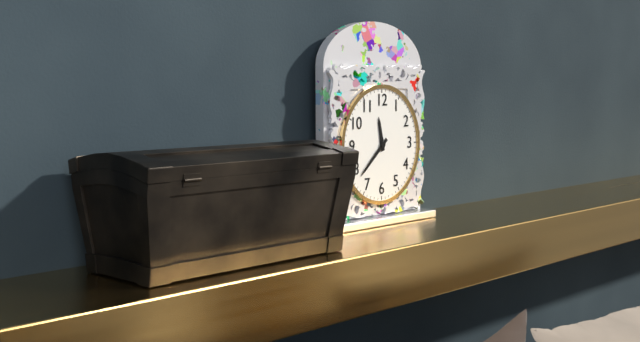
{"hour": 11, "minute": 38}
